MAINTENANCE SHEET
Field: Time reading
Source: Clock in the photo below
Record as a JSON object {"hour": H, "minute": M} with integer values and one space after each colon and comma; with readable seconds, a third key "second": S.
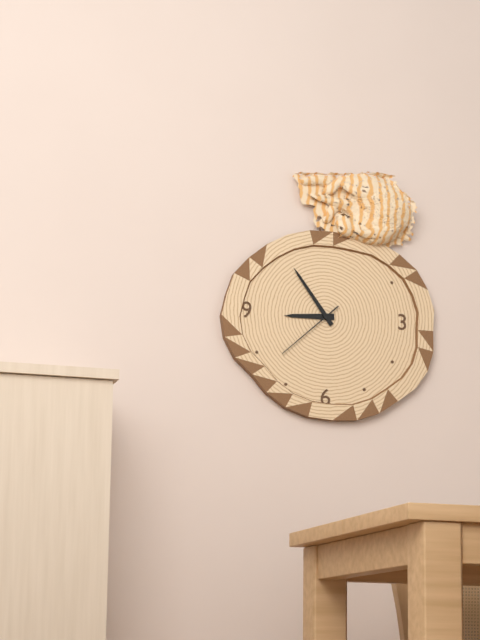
{"hour": 8, "minute": 54, "second": 38}
